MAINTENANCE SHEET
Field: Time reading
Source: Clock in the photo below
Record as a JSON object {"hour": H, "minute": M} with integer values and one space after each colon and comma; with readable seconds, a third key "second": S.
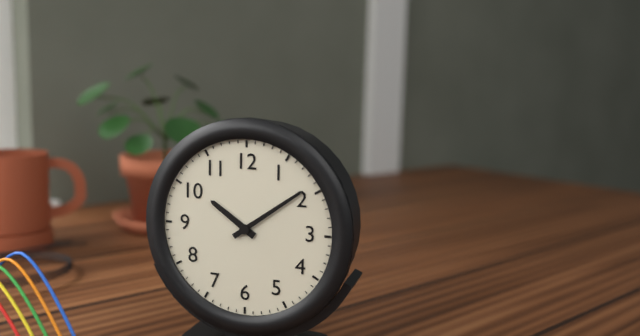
{"hour": 10, "minute": 9}
